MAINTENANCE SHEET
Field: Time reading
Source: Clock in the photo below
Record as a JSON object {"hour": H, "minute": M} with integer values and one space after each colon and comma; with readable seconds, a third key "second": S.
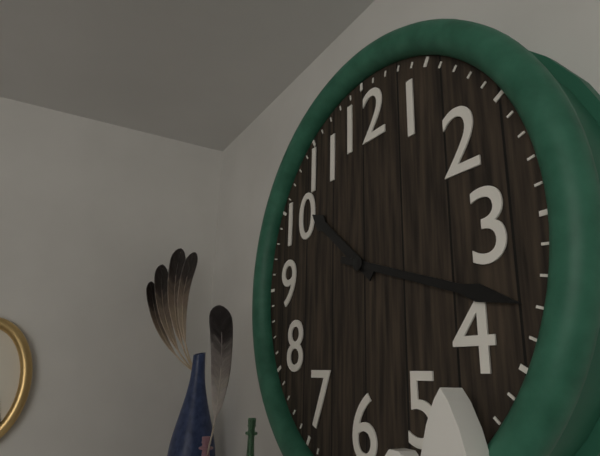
{"hour": 10, "minute": 18}
